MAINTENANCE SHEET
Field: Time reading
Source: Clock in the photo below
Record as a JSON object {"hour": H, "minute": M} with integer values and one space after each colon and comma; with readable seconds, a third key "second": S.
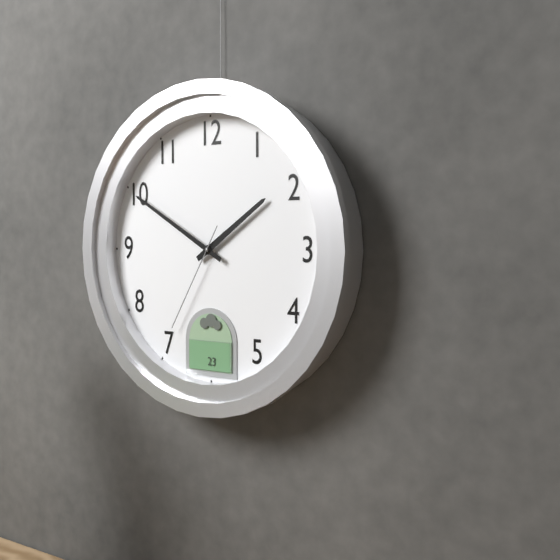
{"hour": 1, "minute": 50, "second": 35}
